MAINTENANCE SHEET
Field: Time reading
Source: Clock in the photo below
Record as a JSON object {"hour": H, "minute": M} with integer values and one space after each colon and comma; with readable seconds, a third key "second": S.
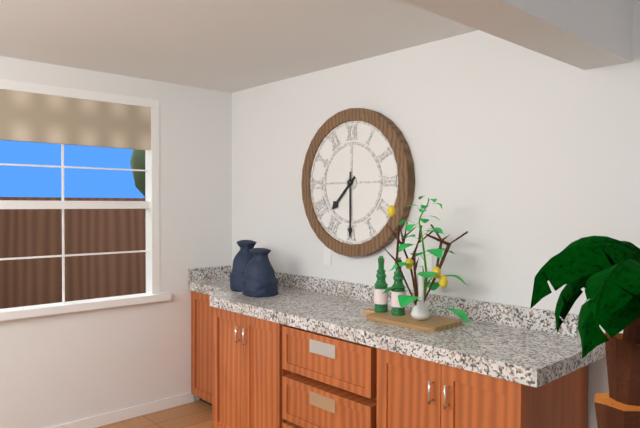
{"hour": 7, "minute": 30}
